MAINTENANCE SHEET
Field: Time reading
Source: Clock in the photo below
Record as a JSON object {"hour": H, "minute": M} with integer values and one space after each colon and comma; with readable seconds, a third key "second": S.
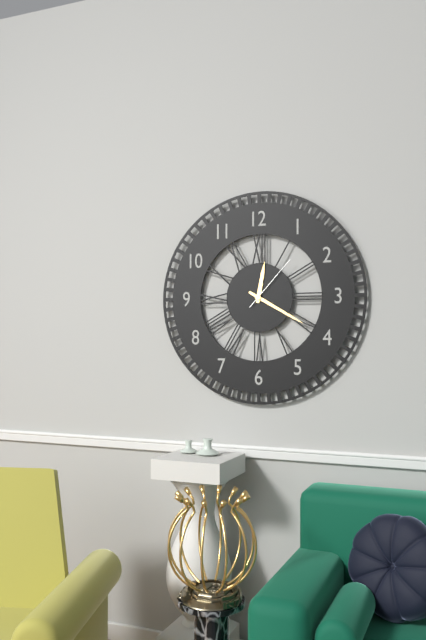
{"hour": 12, "minute": 20, "second": 7}
